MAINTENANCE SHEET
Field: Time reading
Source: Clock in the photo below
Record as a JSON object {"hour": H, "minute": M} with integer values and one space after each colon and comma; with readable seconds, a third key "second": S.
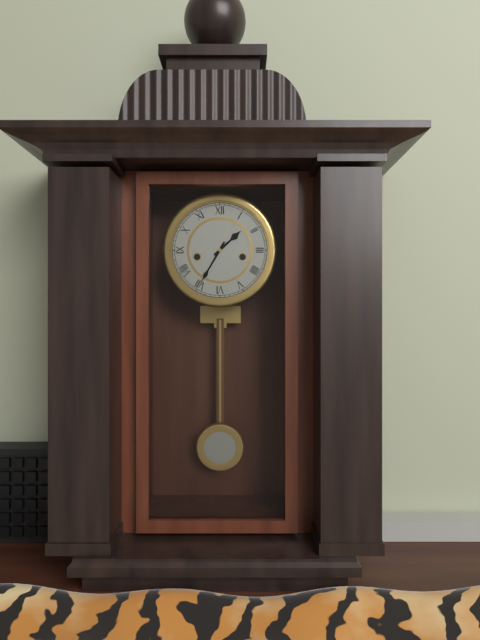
{"hour": 1, "minute": 35}
